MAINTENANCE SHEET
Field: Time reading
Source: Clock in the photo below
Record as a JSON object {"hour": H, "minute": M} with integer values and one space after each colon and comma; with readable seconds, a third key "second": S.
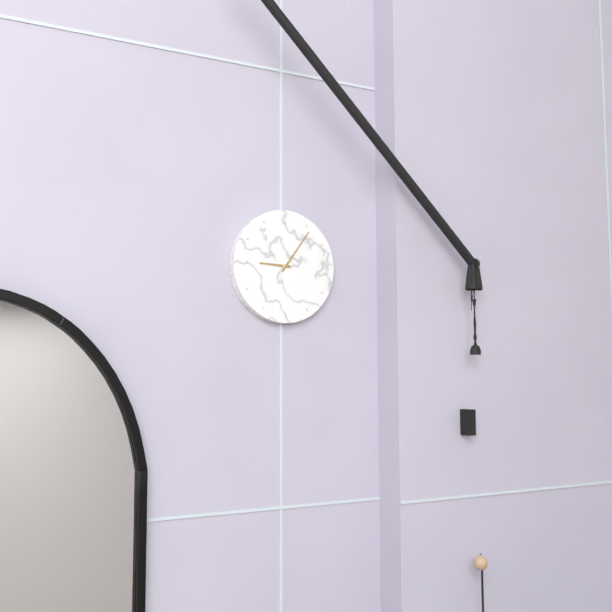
{"hour": 9, "minute": 6}
